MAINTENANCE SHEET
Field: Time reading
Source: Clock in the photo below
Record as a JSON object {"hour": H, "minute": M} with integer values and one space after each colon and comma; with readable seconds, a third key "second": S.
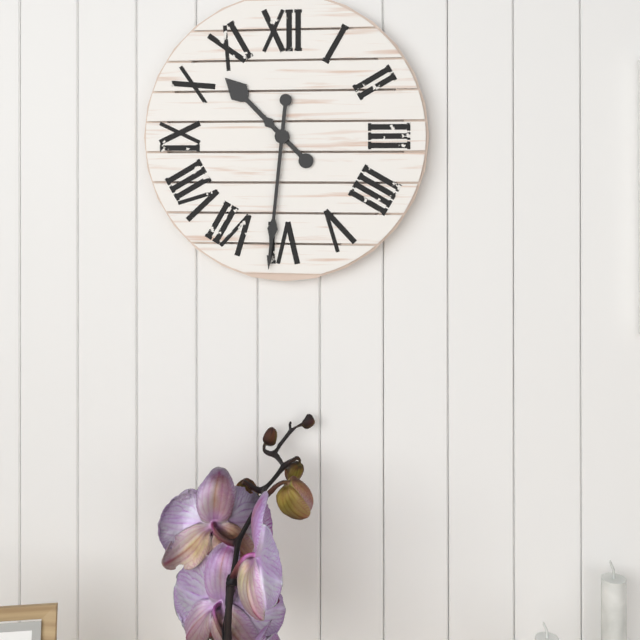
{"hour": 10, "minute": 31}
